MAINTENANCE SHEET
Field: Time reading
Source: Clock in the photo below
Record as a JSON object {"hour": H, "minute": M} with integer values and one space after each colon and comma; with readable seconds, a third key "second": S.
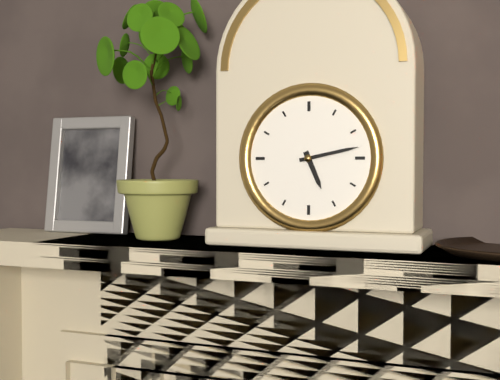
{"hour": 5, "minute": 13}
